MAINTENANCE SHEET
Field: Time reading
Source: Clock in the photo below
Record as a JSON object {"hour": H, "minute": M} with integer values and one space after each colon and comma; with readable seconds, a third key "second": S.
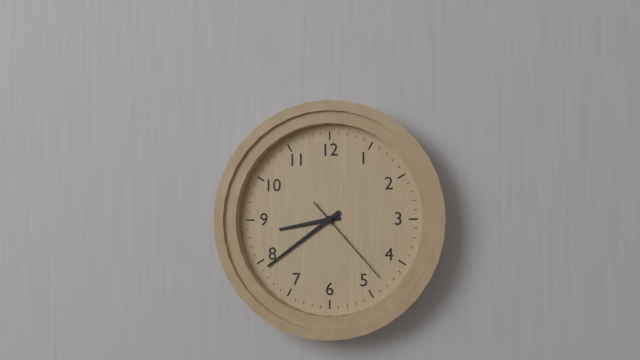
{"hour": 8, "minute": 39, "second": 23}
